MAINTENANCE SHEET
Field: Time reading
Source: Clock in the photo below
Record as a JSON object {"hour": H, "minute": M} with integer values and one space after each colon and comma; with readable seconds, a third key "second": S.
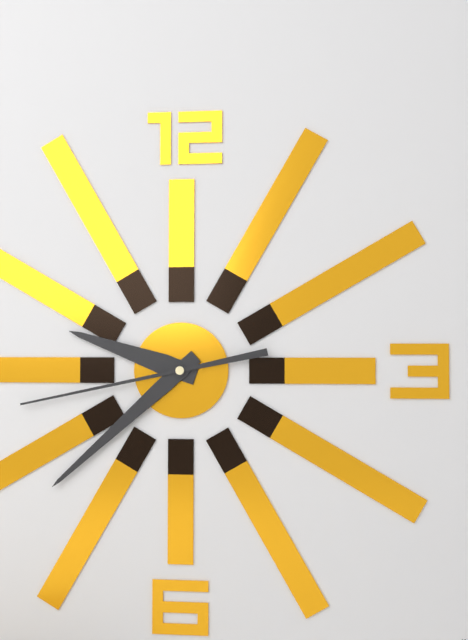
{"hour": 9, "minute": 38, "second": 43}
